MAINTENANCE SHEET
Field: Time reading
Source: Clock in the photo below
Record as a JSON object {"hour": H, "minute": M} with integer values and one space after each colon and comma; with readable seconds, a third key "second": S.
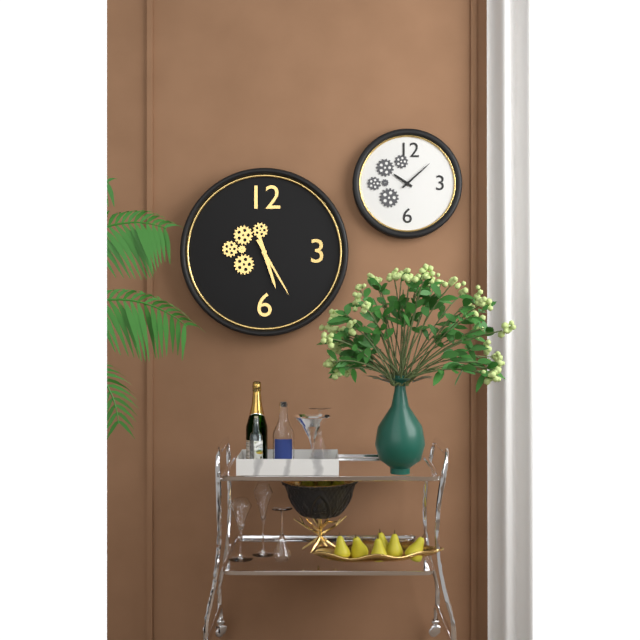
{"hour": 5, "minute": 25}
